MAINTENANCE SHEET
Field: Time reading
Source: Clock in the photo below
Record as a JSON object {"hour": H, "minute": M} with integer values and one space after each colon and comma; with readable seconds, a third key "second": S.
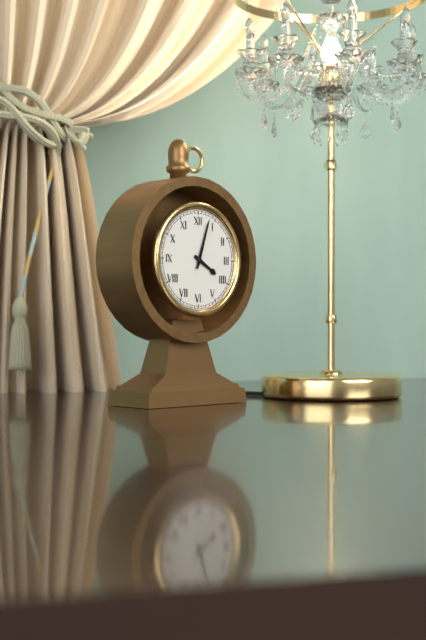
{"hour": 4, "minute": 3}
